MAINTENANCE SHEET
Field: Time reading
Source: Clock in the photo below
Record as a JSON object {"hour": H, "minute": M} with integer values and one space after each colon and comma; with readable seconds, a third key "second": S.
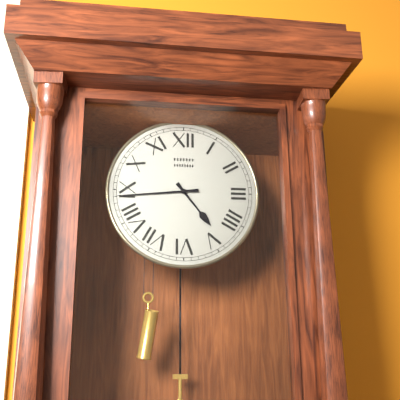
{"hour": 4, "minute": 44}
